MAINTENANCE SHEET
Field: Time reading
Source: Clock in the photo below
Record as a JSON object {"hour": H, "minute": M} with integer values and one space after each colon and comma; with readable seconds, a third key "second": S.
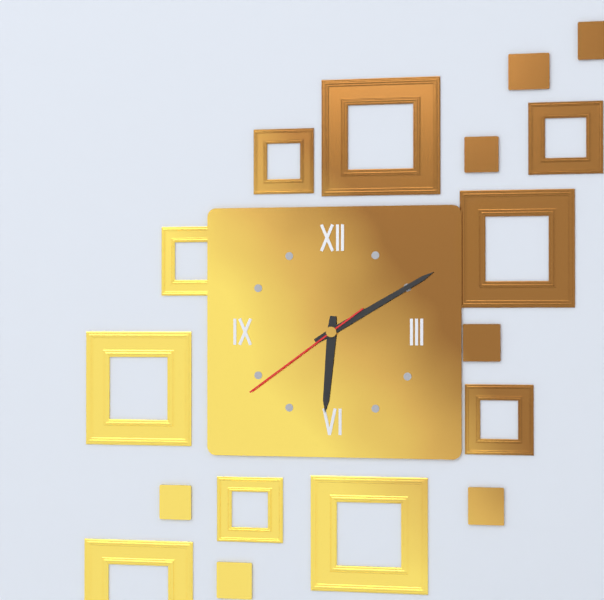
{"hour": 6, "minute": 10, "second": 39}
